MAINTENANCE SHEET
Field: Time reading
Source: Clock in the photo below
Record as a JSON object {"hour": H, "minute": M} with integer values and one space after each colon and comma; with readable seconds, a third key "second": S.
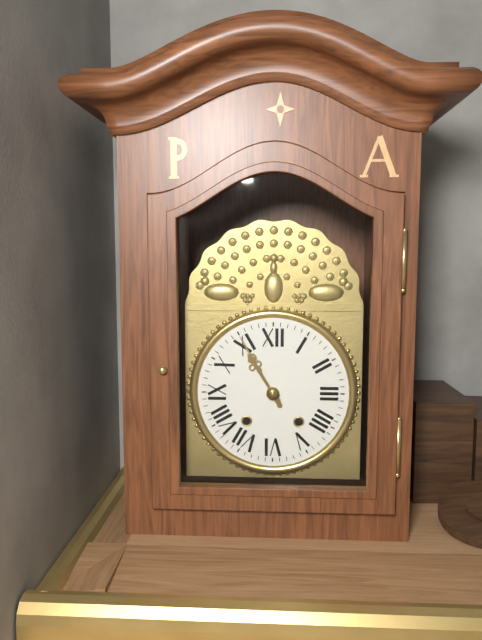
{"hour": 10, "minute": 55}
